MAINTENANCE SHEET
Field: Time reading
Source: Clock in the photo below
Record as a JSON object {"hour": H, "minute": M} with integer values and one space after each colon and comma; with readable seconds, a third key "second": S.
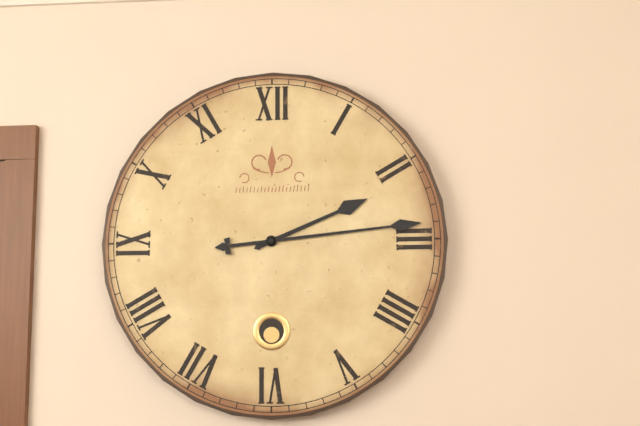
{"hour": 2, "minute": 14}
